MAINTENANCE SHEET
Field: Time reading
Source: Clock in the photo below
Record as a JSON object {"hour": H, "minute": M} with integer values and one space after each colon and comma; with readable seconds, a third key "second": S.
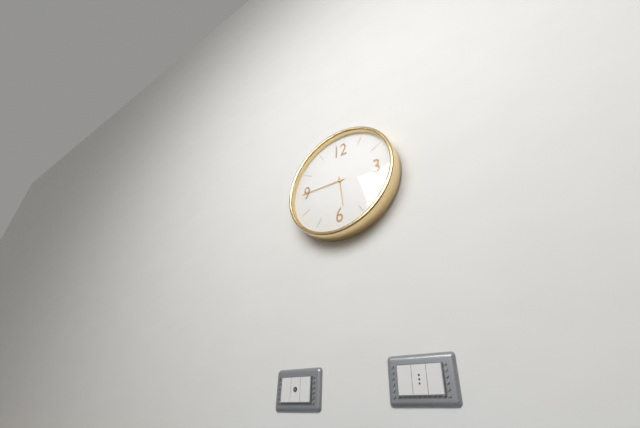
{"hour": 5, "minute": 45}
